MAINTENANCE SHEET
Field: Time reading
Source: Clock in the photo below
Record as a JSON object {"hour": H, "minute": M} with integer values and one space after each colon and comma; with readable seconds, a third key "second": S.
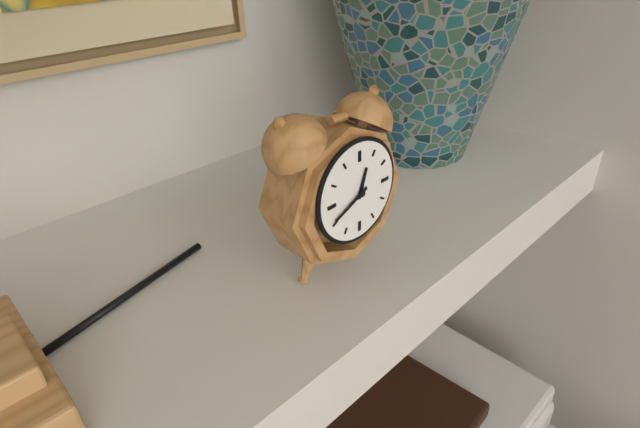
{"hour": 12, "minute": 41}
